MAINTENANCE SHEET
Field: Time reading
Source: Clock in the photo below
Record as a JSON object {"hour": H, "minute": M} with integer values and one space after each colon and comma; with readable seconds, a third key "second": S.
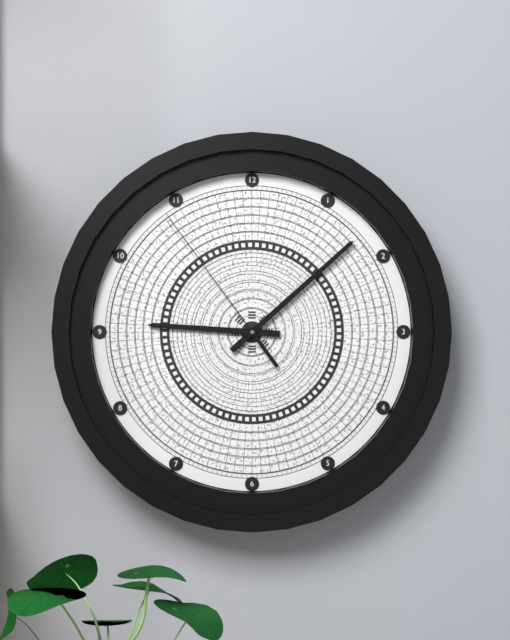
{"hour": 9, "minute": 8, "second": 54}
